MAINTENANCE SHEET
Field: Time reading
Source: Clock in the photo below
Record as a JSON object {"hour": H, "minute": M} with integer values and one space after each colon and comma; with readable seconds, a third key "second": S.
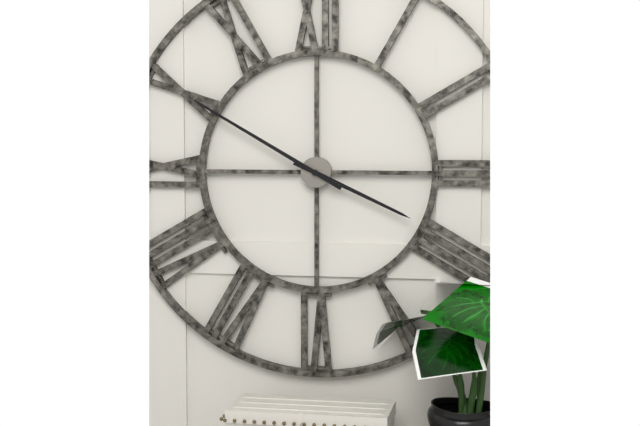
{"hour": 3, "minute": 50}
